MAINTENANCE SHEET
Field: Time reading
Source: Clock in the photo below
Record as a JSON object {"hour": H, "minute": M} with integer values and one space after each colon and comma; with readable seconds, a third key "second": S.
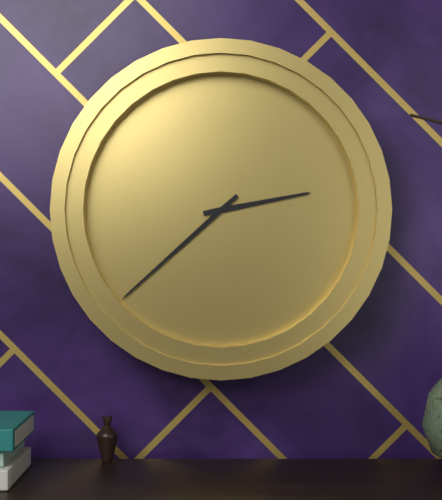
{"hour": 2, "minute": 38}
